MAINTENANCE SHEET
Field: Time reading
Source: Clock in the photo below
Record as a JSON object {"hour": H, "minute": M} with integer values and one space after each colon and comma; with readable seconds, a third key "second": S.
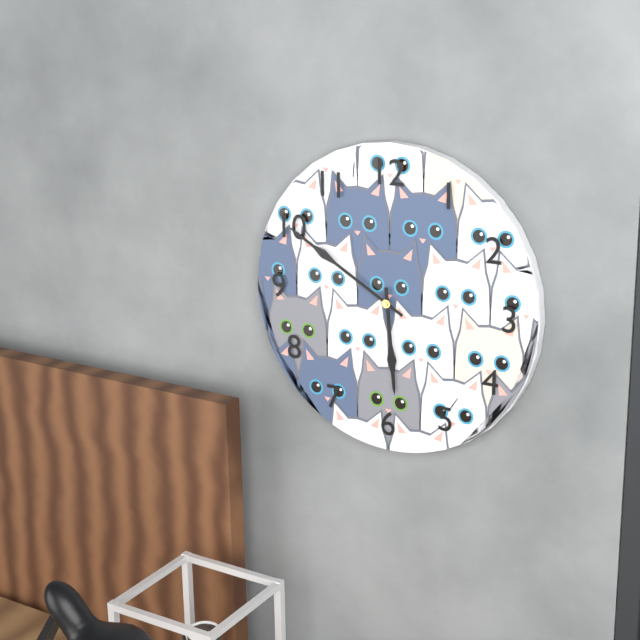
{"hour": 5, "minute": 50}
